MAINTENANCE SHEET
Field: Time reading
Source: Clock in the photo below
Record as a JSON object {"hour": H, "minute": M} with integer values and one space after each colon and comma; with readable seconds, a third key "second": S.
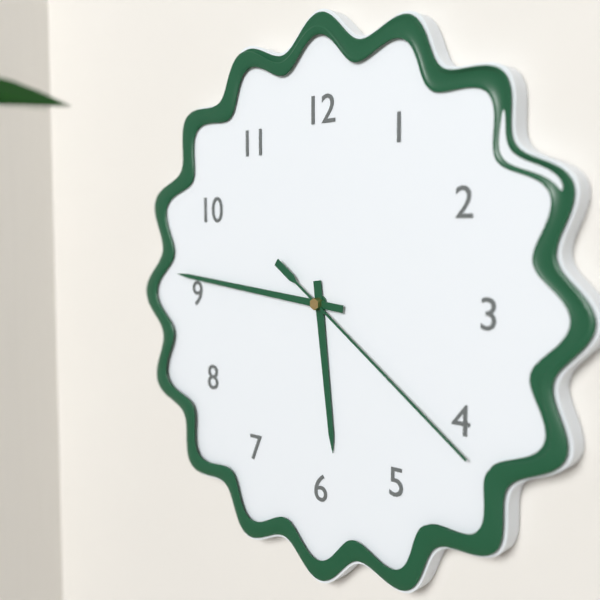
{"hour": 5, "minute": 46, "second": 21}
